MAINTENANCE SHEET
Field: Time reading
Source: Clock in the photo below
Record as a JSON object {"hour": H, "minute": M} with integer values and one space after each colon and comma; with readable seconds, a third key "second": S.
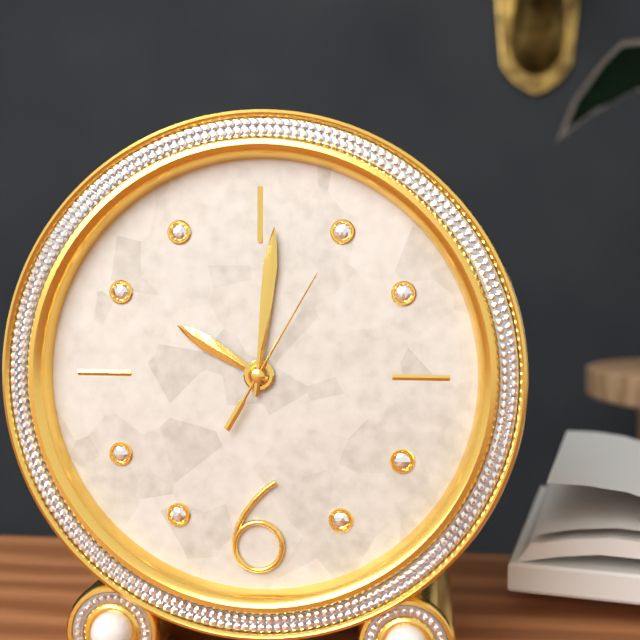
{"hour": 10, "minute": 1, "second": 5}
